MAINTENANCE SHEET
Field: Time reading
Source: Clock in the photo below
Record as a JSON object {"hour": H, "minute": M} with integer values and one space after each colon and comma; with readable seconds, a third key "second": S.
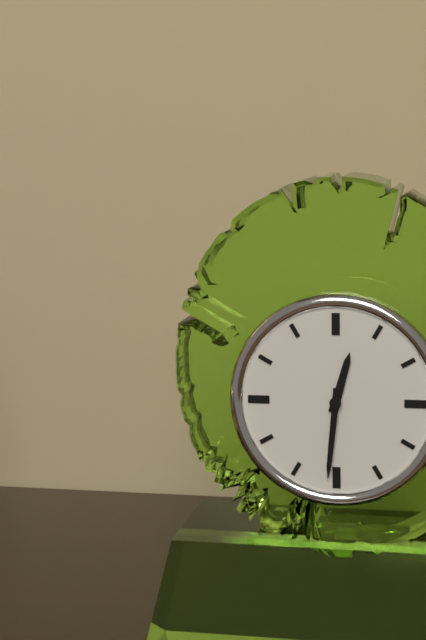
{"hour": 12, "minute": 31}
